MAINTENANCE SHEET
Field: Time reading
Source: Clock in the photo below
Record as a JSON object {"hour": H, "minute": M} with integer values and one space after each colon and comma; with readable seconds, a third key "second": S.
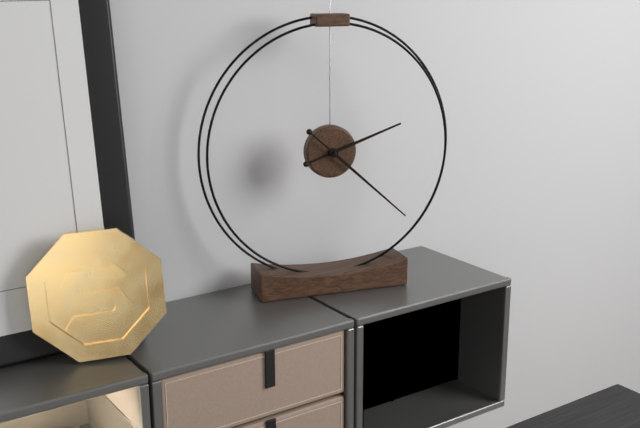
{"hour": 2, "minute": 22}
